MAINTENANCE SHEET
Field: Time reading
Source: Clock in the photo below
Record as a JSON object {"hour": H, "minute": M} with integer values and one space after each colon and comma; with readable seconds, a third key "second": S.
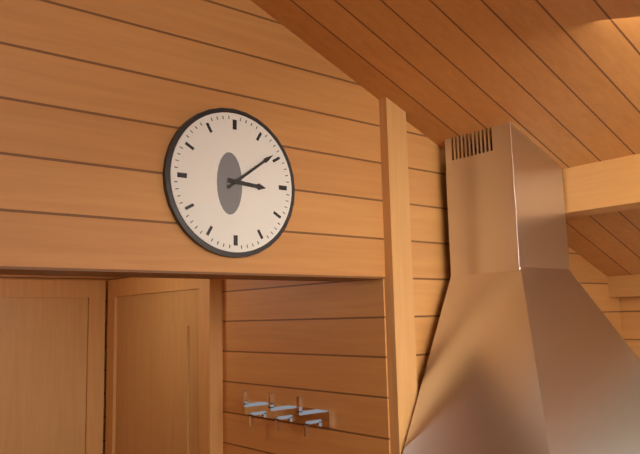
{"hour": 3, "minute": 9}
